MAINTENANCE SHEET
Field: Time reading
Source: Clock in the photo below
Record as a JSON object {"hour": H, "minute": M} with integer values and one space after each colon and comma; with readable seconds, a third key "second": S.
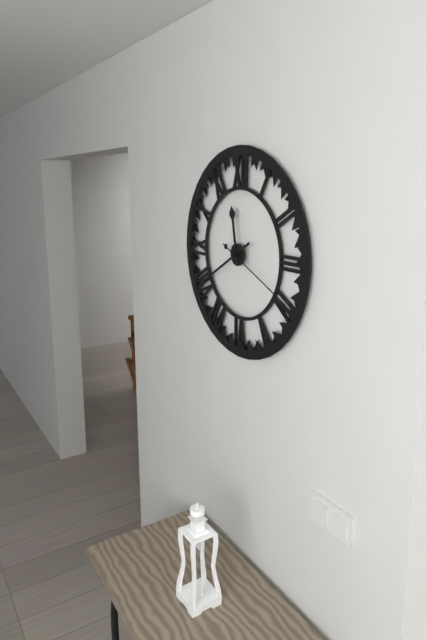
{"hour": 11, "minute": 40, "second": 19}
